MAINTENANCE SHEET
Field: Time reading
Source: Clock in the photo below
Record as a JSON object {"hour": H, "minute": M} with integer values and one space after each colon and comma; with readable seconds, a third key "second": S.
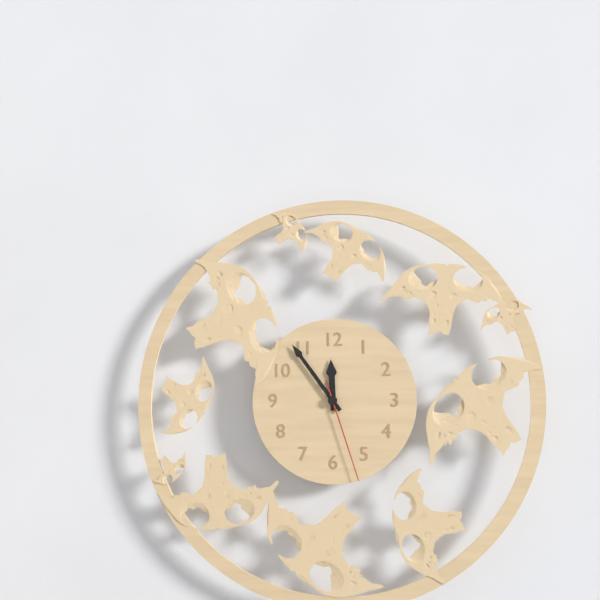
{"hour": 11, "minute": 54, "second": 27}
